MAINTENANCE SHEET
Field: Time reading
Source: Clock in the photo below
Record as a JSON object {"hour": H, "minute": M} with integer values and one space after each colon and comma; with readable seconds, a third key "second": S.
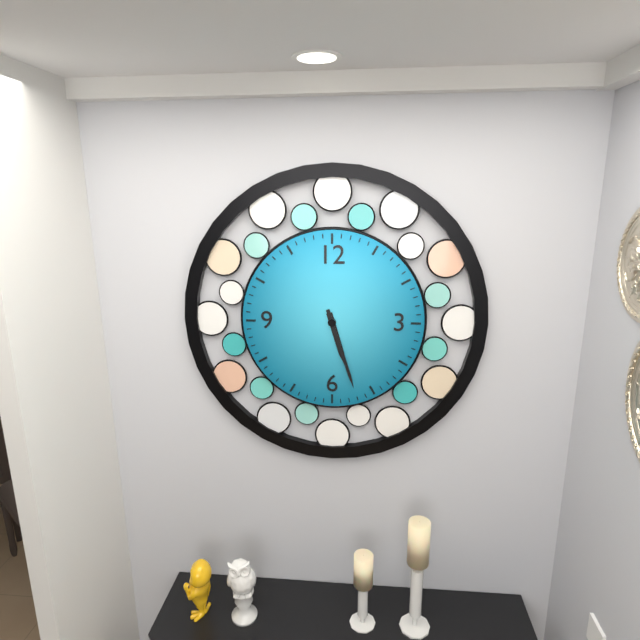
{"hour": 5, "minute": 27}
